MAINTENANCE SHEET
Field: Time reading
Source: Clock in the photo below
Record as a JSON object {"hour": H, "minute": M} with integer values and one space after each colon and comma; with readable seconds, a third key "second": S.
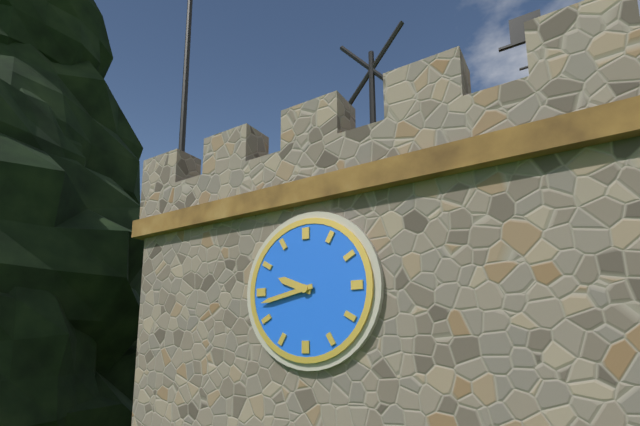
{"hour": 9, "minute": 43}
